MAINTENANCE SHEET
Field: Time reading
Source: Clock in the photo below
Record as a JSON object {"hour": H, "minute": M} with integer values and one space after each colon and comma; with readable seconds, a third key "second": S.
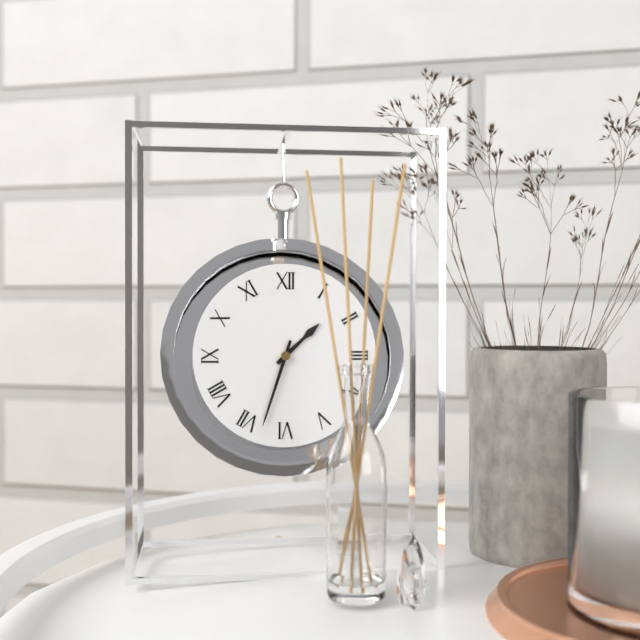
{"hour": 1, "minute": 33}
